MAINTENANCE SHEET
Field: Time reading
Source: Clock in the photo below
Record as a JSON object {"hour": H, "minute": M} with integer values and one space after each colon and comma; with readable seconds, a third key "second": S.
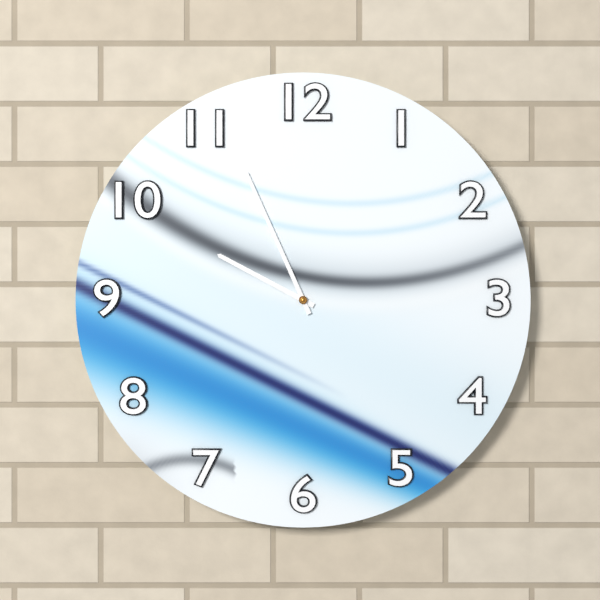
{"hour": 9, "minute": 56}
